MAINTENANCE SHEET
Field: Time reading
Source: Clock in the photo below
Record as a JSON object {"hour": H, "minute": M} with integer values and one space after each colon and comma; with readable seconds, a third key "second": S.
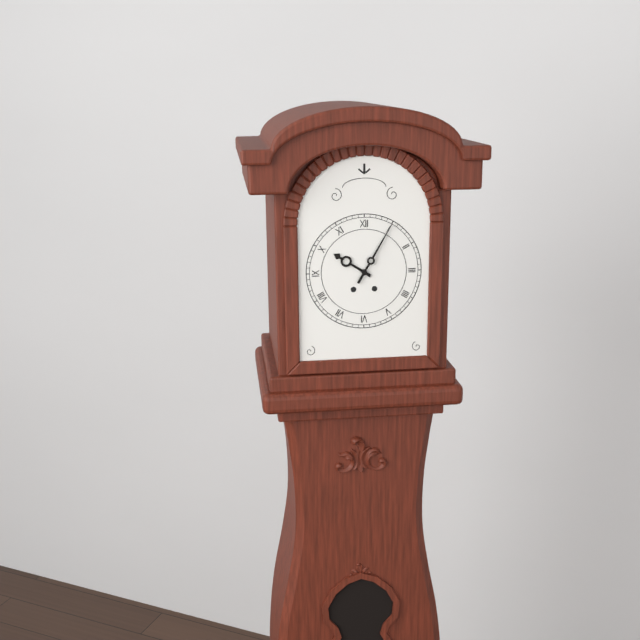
{"hour": 10, "minute": 5}
